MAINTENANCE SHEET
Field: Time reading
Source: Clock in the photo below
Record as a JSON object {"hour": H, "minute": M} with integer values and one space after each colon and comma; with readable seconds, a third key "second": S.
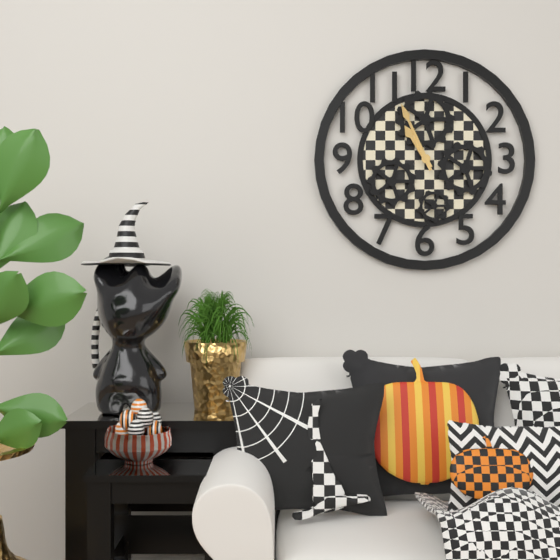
{"hour": 10, "minute": 56}
